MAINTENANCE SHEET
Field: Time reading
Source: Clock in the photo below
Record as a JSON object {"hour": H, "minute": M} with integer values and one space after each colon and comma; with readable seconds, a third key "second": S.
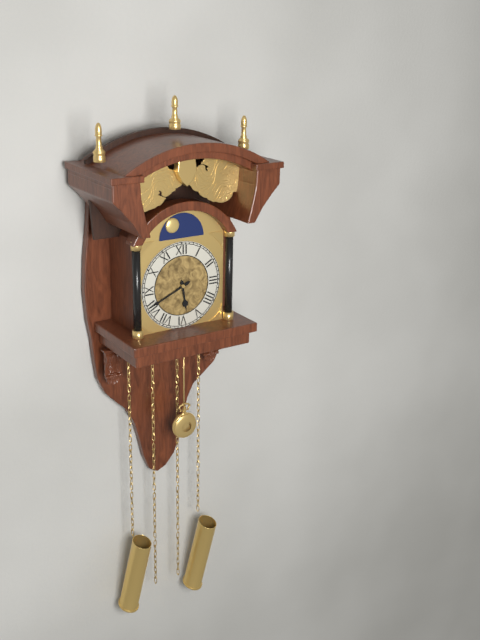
{"hour": 5, "minute": 41}
